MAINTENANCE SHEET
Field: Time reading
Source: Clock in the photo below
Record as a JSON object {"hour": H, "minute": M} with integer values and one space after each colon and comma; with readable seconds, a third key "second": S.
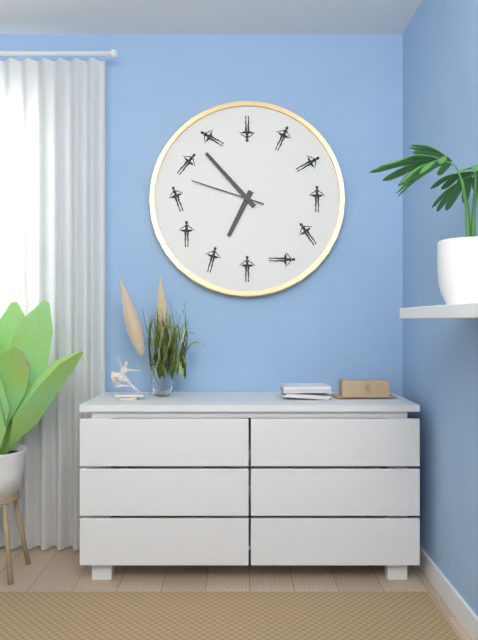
{"hour": 6, "minute": 53, "second": 48}
